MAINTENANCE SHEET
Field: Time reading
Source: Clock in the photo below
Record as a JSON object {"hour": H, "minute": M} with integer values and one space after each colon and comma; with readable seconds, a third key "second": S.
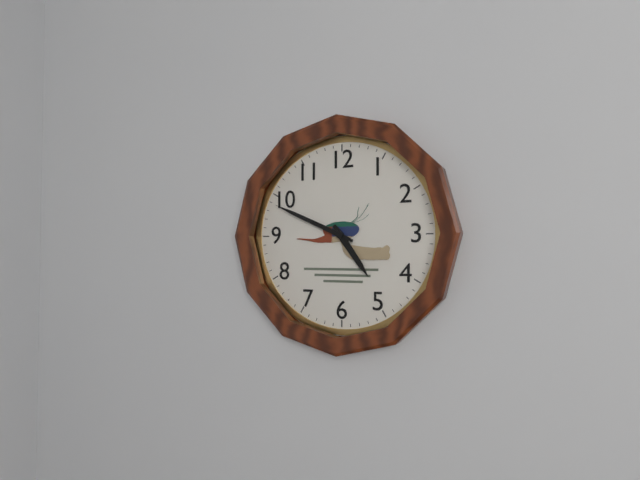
{"hour": 4, "minute": 49}
